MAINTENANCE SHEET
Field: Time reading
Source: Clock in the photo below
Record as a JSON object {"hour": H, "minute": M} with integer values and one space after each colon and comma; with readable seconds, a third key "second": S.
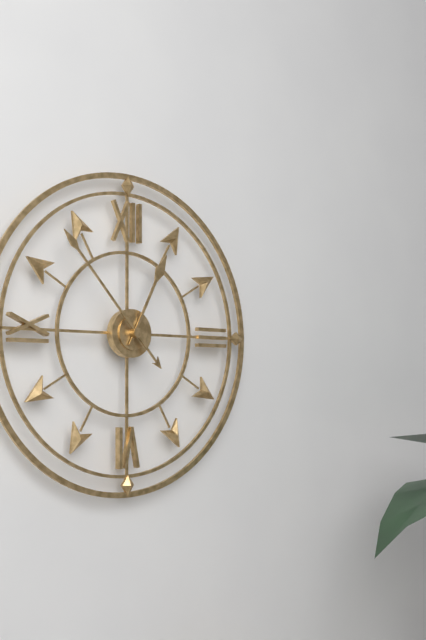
{"hour": 12, "minute": 53}
